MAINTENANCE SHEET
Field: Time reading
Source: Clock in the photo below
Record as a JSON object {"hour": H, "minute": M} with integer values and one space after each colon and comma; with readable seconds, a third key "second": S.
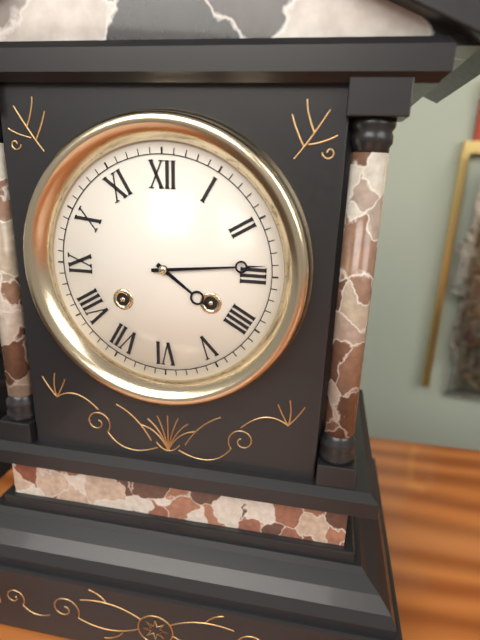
{"hour": 4, "minute": 14}
